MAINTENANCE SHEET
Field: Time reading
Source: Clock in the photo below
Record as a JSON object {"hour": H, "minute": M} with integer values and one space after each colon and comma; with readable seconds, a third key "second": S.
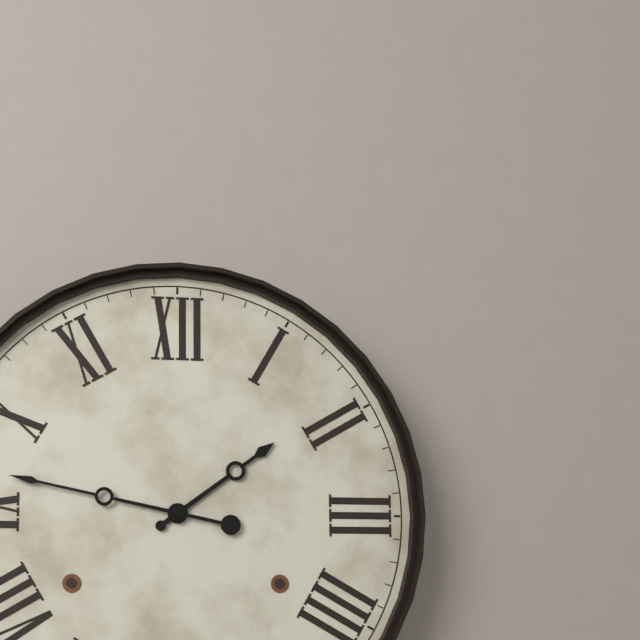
{"hour": 1, "minute": 47}
